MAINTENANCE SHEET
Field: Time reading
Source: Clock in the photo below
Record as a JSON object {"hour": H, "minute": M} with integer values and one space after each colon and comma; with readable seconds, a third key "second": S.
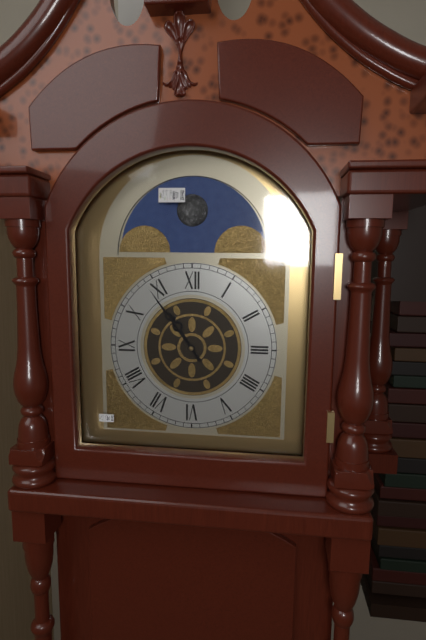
{"hour": 10, "minute": 54}
